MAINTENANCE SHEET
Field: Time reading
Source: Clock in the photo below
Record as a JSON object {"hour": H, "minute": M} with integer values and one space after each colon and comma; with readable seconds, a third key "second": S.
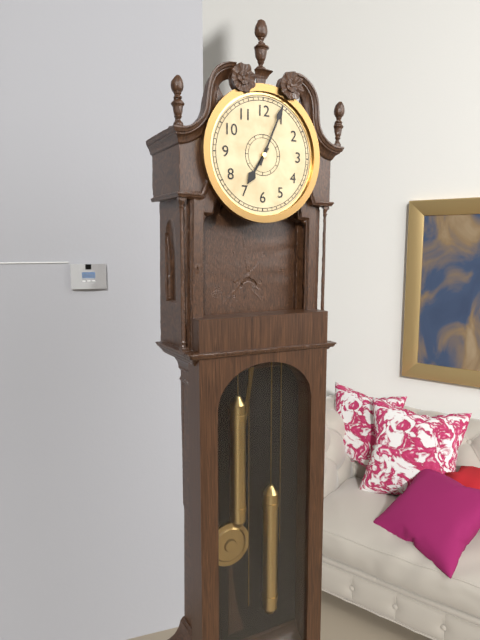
{"hour": 7, "minute": 4}
